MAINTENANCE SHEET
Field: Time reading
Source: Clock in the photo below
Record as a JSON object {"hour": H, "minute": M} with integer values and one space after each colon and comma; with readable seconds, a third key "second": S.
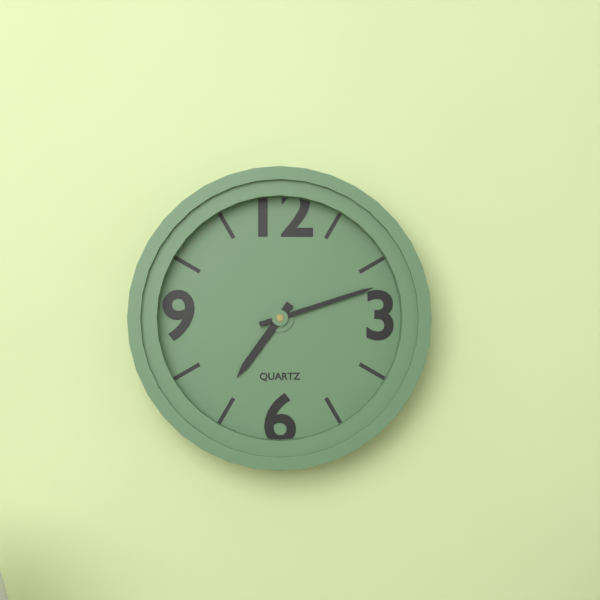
{"hour": 7, "minute": 12}
